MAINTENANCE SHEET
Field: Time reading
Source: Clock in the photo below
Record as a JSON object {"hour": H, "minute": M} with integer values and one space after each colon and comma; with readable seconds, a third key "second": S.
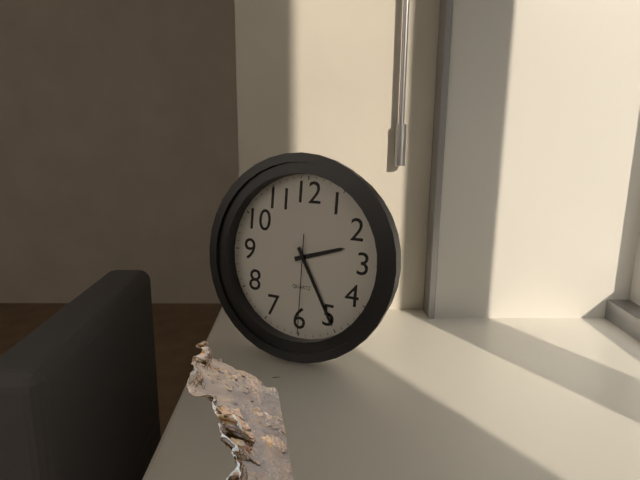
{"hour": 2, "minute": 25, "second": 30}
